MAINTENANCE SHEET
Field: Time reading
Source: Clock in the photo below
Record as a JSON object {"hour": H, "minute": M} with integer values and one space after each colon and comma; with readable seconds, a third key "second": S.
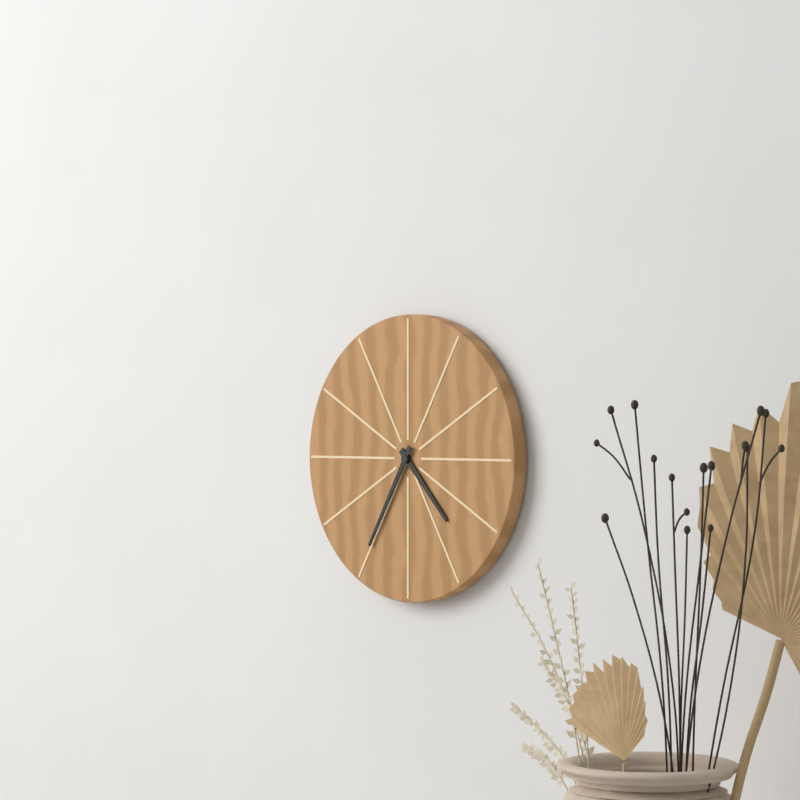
{"hour": 4, "minute": 35}
